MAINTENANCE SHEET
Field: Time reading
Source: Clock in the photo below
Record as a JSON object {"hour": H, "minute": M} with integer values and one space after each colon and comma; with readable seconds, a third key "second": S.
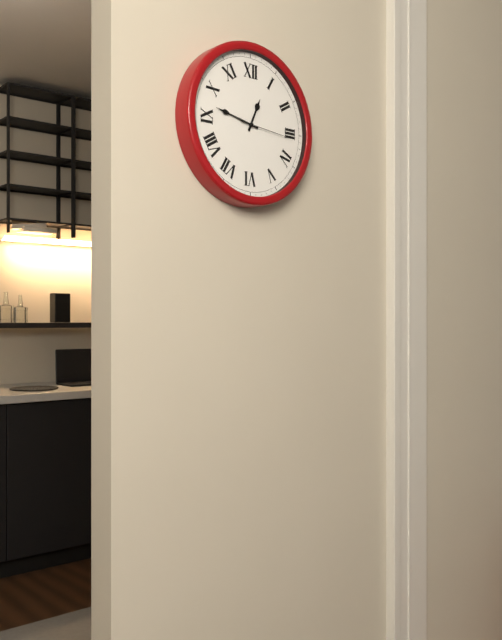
{"hour": 12, "minute": 47, "second": 16}
